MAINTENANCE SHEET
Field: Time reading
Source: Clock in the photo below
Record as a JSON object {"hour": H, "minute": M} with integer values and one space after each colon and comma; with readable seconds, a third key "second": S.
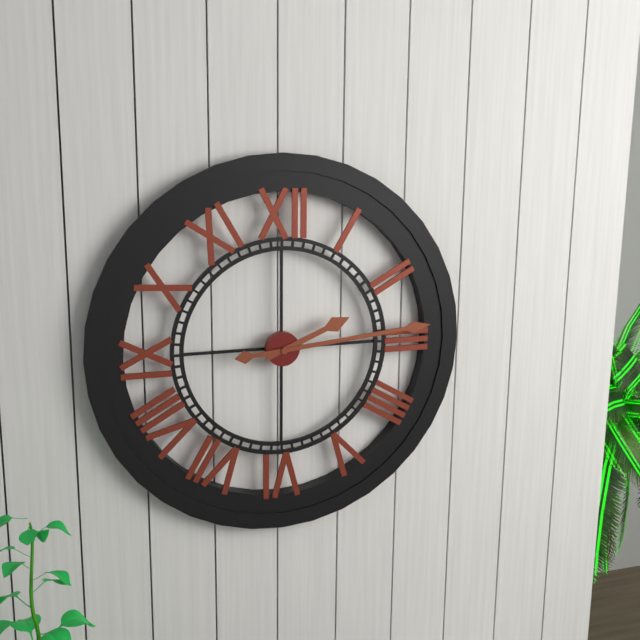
{"hour": 2, "minute": 14}
